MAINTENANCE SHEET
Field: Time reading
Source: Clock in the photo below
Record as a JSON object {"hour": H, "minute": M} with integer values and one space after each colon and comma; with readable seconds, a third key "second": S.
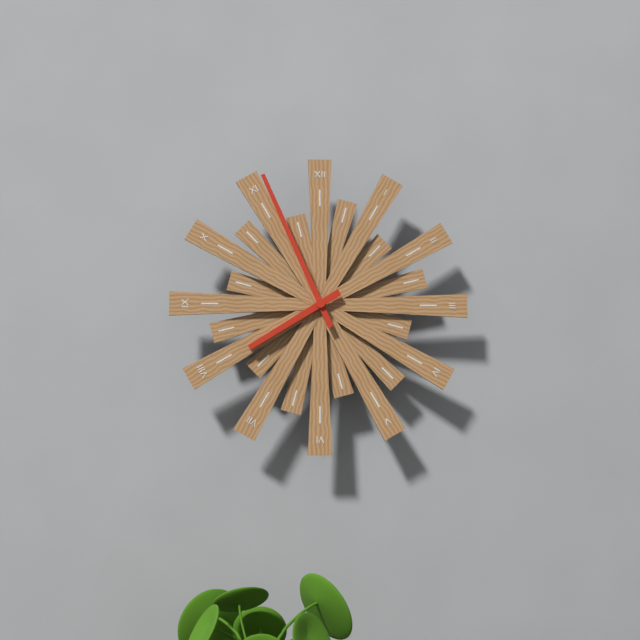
{"hour": 7, "minute": 56}
